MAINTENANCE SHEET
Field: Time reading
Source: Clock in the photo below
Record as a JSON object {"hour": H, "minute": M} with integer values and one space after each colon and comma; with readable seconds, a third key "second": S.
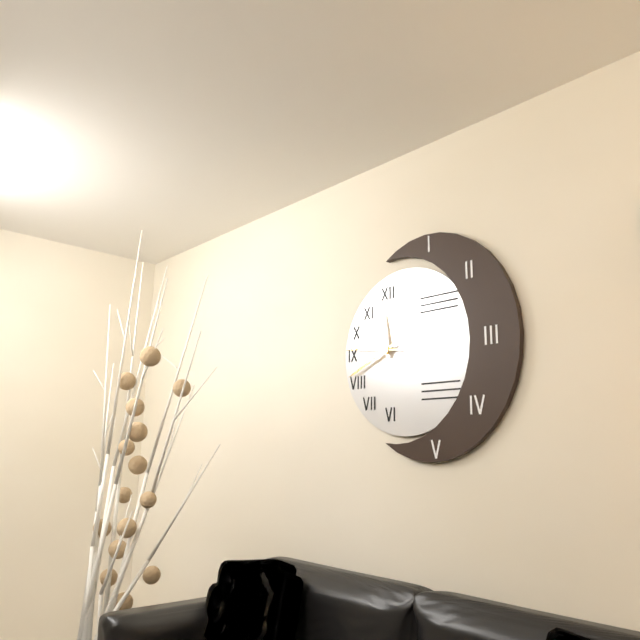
{"hour": 11, "minute": 41}
